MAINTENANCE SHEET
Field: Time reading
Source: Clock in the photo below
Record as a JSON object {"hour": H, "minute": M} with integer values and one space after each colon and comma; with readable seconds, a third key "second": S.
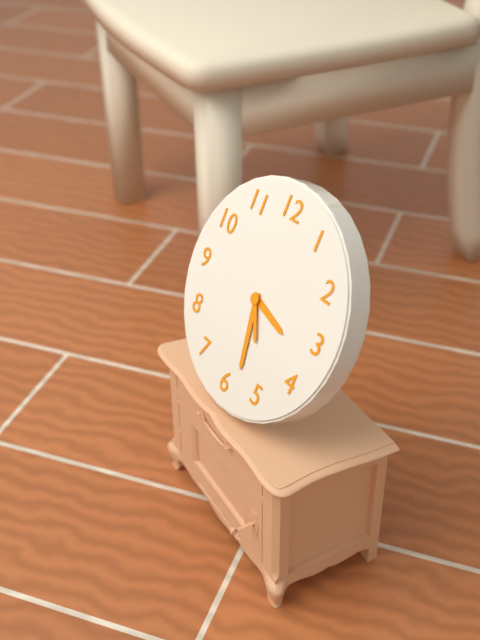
{"hour": 3, "minute": 28, "second": 25}
